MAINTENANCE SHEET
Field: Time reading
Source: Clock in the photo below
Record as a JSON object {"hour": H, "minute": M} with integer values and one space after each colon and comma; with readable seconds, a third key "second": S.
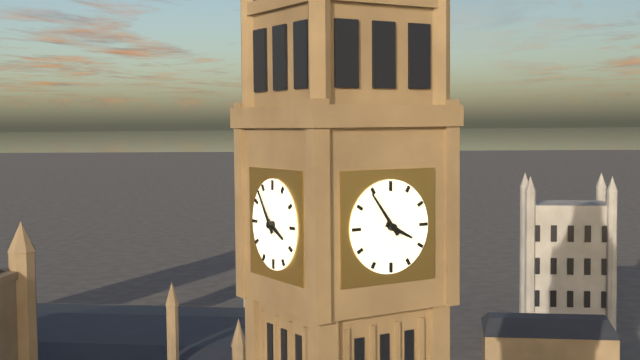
{"hour": 3, "minute": 54}
